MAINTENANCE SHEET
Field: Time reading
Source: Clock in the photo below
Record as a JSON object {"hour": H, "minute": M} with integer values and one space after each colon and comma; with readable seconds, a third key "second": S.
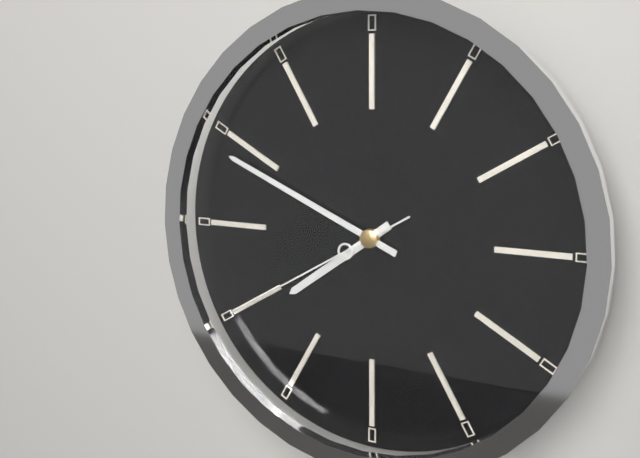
{"hour": 7, "minute": 49, "second": 40}
